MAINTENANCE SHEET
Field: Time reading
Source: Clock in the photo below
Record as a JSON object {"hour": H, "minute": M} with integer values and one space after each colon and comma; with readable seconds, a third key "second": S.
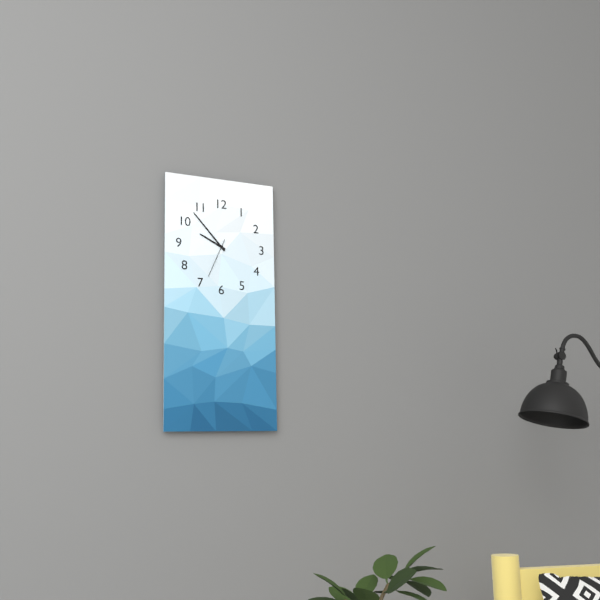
{"hour": 9, "minute": 53}
